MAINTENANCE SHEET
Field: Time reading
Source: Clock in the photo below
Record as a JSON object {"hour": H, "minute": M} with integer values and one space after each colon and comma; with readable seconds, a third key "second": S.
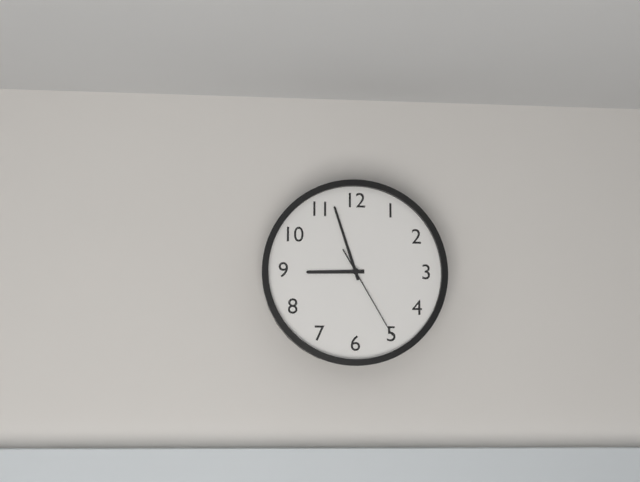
{"hour": 8, "minute": 57, "second": 25}
